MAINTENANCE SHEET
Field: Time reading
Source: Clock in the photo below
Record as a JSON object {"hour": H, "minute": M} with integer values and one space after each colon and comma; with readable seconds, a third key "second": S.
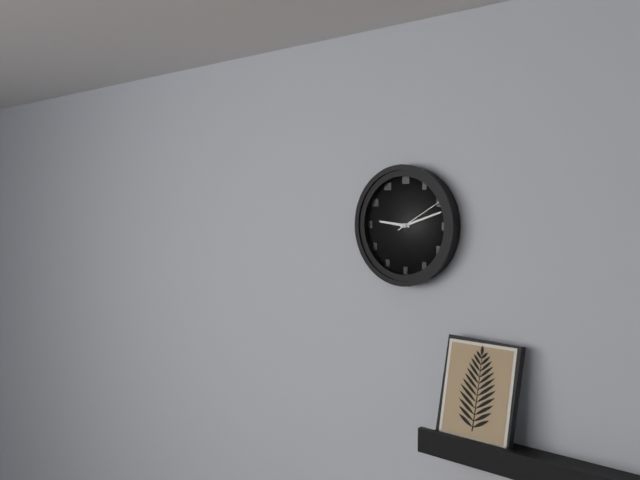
{"hour": 9, "minute": 12, "second": 10}
